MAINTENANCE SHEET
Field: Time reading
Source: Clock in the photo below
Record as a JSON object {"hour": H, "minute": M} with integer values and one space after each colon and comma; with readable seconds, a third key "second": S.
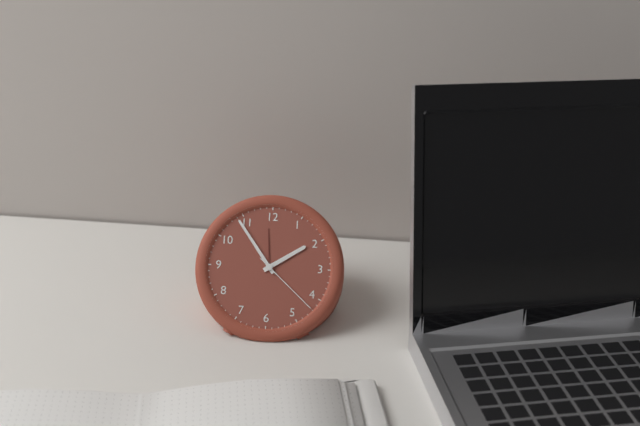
{"hour": 1, "minute": 54, "second": 22}
